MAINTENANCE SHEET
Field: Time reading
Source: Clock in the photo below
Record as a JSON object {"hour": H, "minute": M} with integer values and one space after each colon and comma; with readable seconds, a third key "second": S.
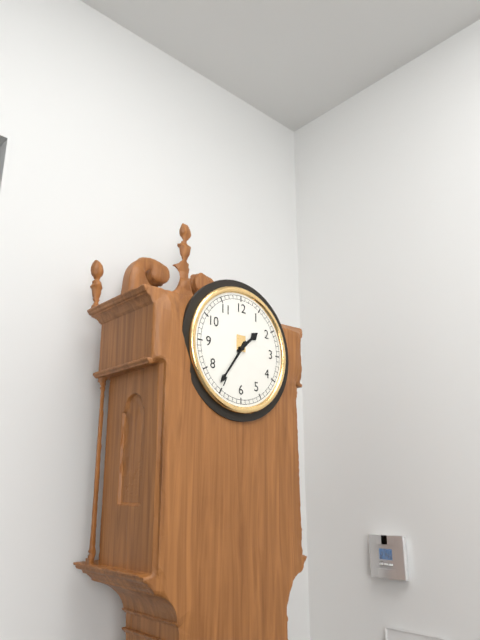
{"hour": 1, "minute": 36}
